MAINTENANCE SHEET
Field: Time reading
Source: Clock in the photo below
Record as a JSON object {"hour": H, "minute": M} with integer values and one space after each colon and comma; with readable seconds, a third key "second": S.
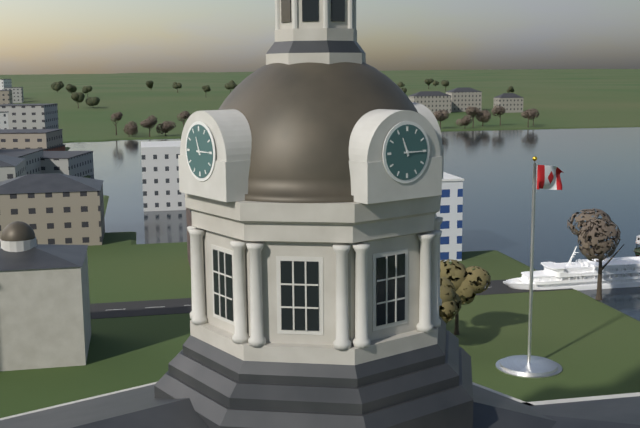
{"hour": 11, "minute": 15}
